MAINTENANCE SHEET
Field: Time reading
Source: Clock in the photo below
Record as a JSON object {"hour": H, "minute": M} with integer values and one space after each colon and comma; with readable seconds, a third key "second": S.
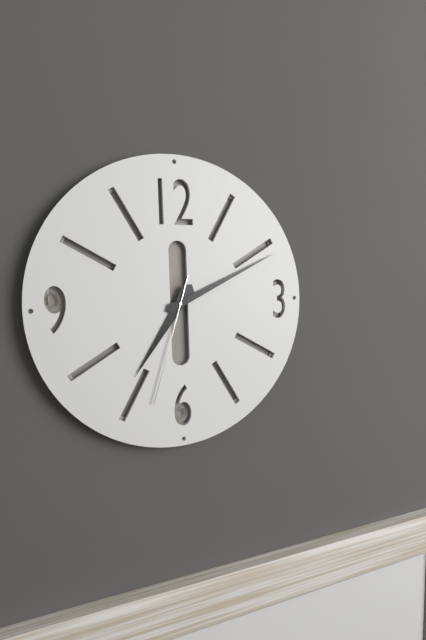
{"hour": 7, "minute": 11, "second": 33}
